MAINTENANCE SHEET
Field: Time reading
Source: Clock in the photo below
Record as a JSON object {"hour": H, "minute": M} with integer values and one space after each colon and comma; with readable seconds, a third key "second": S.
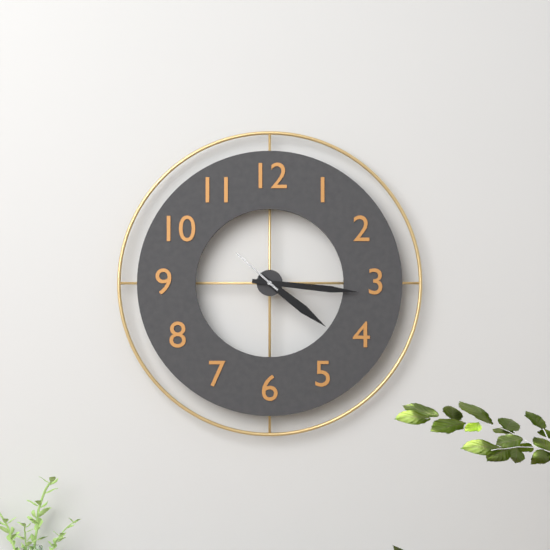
{"hour": 4, "minute": 16, "second": 52}
